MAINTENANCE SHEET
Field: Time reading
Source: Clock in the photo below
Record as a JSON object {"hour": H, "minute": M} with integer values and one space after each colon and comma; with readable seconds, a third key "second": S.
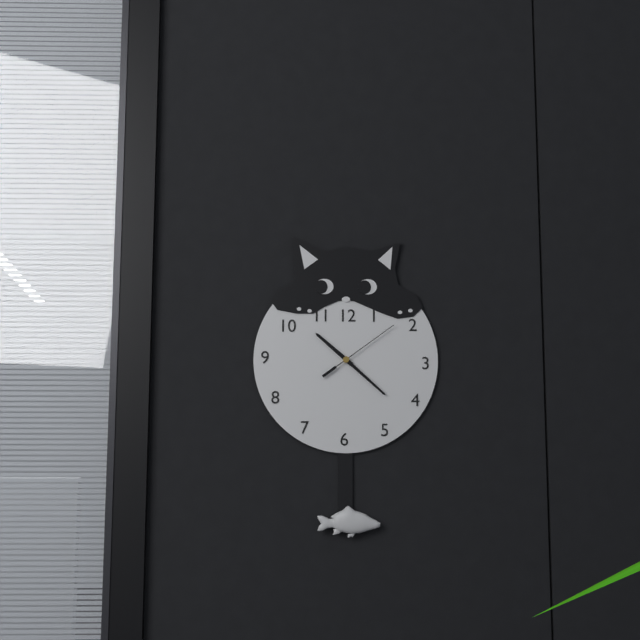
{"hour": 10, "minute": 22, "second": 9}
